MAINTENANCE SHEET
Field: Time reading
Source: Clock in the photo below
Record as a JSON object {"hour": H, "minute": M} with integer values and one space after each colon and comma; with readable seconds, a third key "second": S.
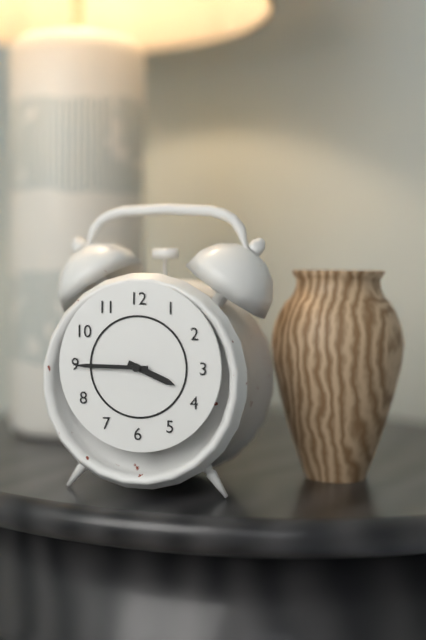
{"hour": 3, "minute": 45}
